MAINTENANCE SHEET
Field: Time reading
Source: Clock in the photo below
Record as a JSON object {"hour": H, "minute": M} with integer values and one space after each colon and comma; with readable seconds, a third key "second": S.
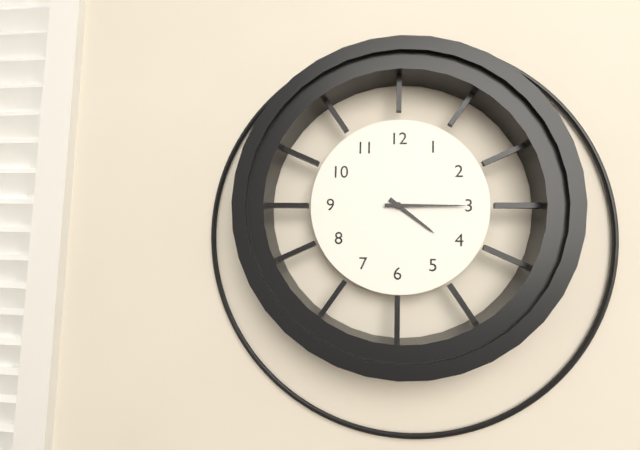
{"hour": 4, "minute": 15}
